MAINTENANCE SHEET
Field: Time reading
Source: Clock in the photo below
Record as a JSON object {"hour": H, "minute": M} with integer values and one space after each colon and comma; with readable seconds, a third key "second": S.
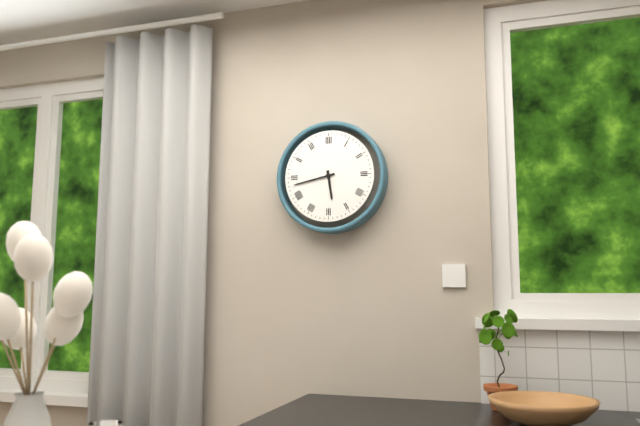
{"hour": 5, "minute": 43}
